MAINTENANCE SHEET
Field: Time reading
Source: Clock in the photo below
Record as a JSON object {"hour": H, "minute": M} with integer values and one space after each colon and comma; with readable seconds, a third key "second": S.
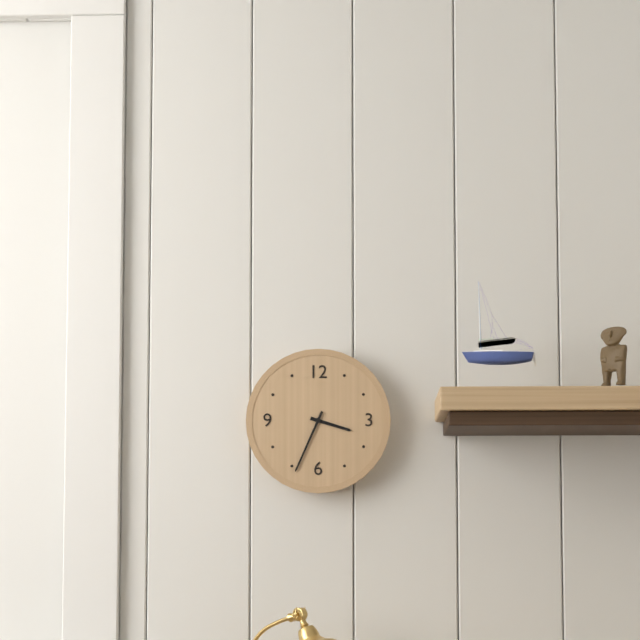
{"hour": 3, "minute": 34}
